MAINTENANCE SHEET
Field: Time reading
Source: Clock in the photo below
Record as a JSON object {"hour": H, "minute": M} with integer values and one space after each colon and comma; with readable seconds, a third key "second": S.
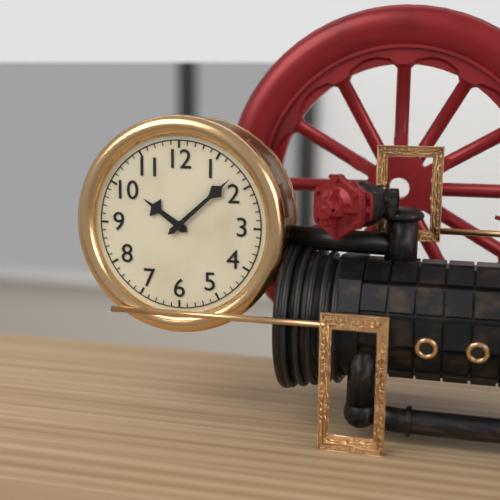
{"hour": 10, "minute": 8}
